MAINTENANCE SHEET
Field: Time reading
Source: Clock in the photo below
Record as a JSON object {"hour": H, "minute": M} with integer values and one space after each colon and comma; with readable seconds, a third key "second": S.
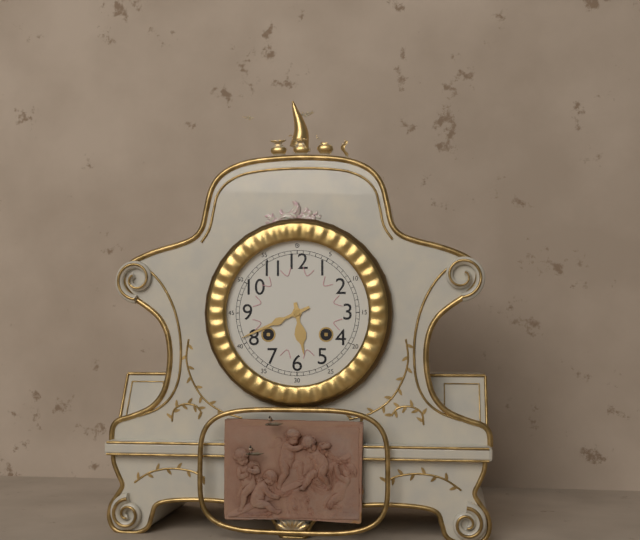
{"hour": 5, "minute": 41}
